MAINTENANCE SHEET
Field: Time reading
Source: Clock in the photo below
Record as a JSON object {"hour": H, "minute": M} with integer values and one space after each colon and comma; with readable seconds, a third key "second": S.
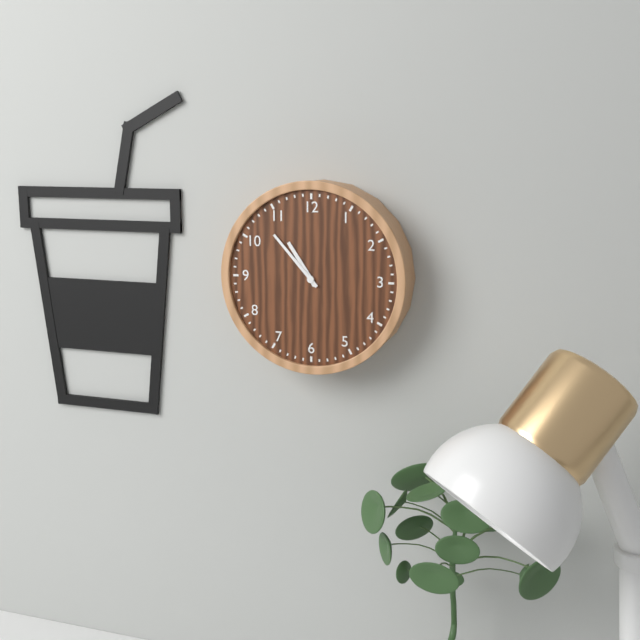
{"hour": 10, "minute": 53}
